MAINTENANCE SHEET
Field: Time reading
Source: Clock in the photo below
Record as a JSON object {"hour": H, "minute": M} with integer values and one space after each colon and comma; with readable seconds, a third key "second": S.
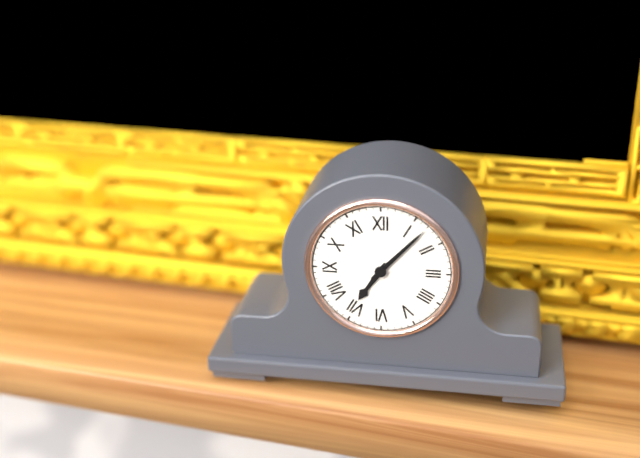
{"hour": 7, "minute": 7}
